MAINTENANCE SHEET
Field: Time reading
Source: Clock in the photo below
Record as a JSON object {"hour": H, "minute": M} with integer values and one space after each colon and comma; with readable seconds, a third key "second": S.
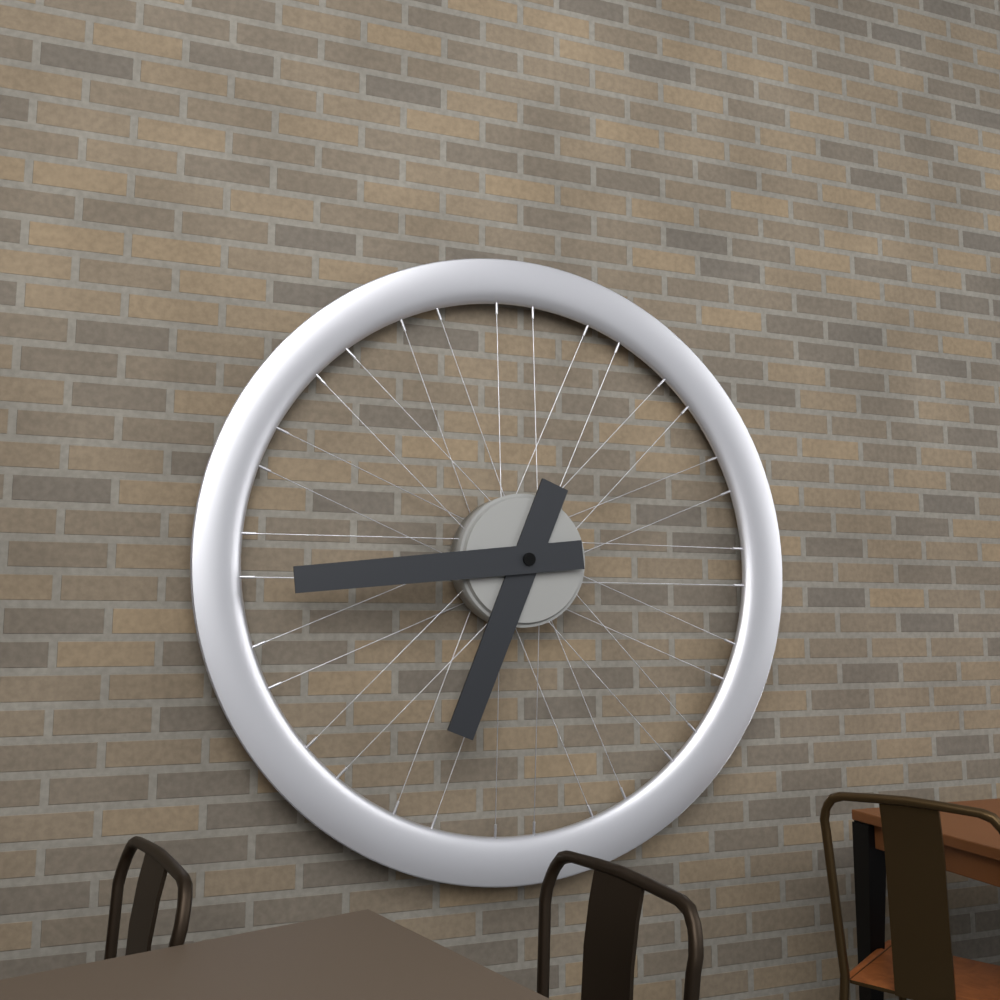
{"hour": 6, "minute": 44}
